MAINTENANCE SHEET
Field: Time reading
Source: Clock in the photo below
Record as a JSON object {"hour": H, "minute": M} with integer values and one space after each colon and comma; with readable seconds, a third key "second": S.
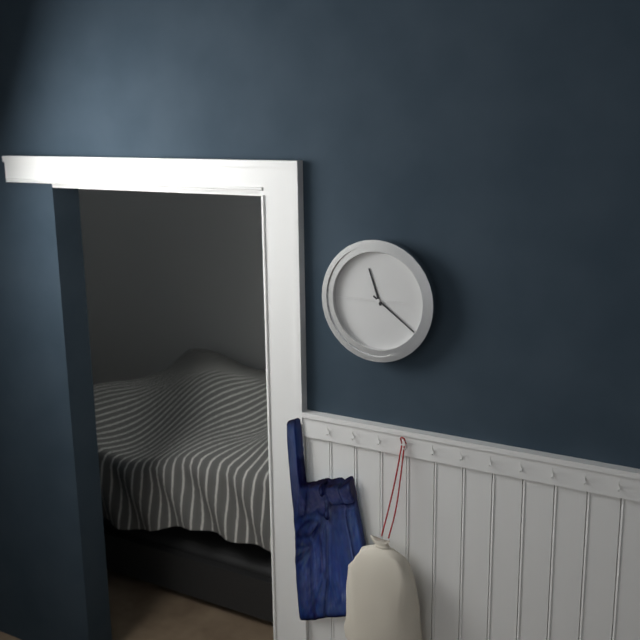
{"hour": 11, "minute": 21, "second": 45}
